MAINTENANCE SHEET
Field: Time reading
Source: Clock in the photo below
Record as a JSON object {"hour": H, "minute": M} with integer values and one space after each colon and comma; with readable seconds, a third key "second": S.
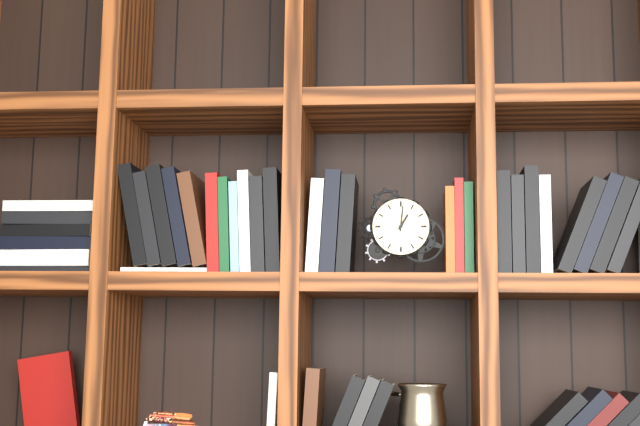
{"hour": 1, "minute": 1}
